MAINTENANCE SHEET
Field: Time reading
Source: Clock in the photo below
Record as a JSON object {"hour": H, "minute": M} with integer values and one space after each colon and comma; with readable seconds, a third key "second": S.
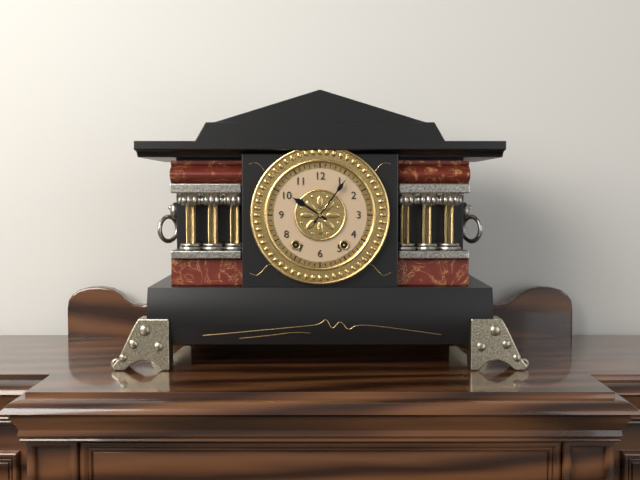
{"hour": 10, "minute": 6}
